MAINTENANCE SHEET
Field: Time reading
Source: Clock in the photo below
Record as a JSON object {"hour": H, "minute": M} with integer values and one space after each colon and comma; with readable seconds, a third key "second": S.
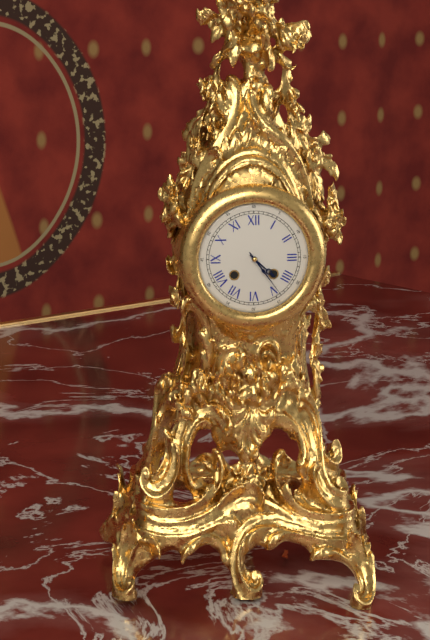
{"hour": 4, "minute": 24}
